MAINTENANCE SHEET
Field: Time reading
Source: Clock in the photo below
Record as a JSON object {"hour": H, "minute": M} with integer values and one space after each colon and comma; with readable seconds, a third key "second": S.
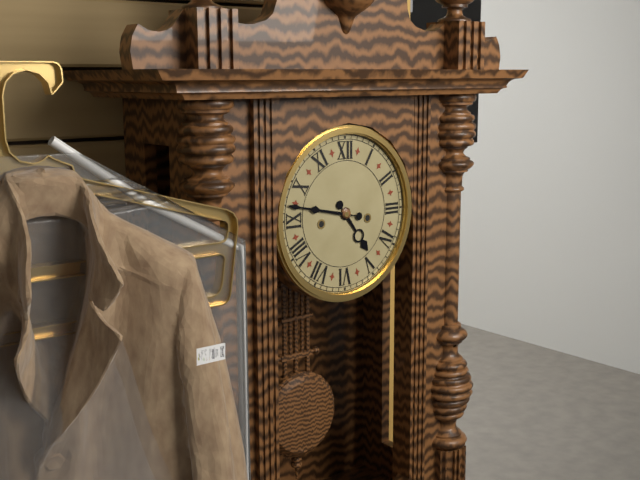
{"hour": 4, "minute": 47}
